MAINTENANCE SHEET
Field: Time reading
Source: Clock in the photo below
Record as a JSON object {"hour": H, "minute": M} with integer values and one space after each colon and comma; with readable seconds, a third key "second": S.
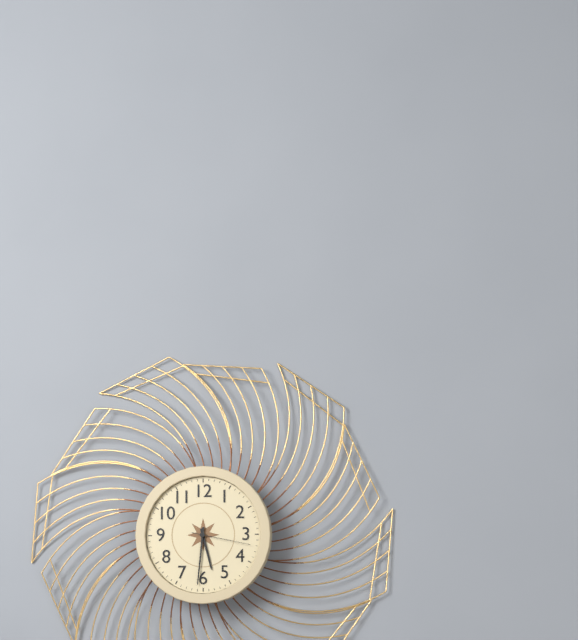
{"hour": 5, "minute": 31, "second": 17}
